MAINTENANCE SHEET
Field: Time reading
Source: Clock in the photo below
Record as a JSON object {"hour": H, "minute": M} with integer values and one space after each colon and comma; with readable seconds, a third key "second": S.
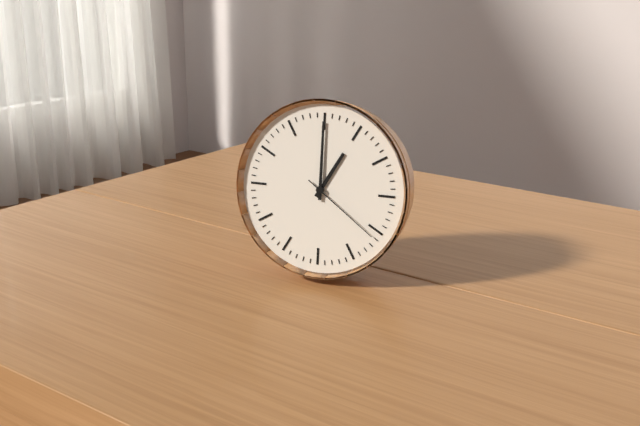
{"hour": 1, "minute": 0, "second": 21}
